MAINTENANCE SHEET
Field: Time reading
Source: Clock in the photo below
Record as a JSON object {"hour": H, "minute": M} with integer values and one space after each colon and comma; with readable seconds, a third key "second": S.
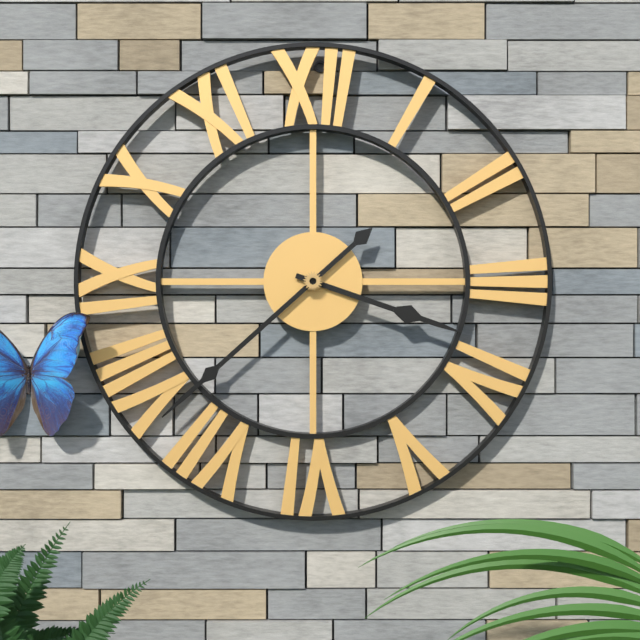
{"hour": 3, "minute": 38}
